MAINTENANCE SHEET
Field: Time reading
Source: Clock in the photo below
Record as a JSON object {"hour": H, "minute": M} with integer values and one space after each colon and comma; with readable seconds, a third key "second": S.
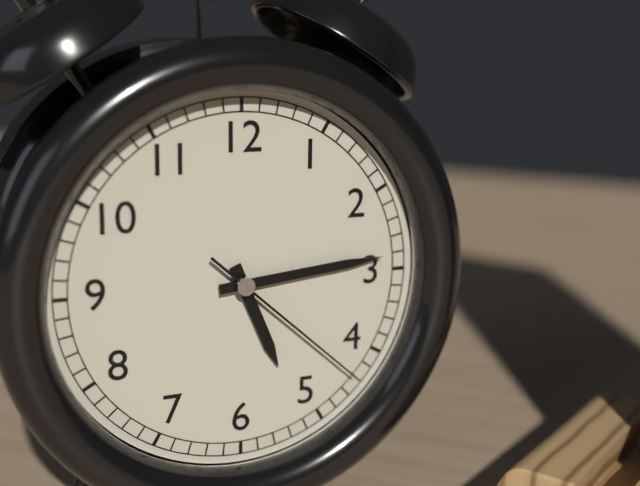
{"hour": 5, "minute": 14, "second": 22}
